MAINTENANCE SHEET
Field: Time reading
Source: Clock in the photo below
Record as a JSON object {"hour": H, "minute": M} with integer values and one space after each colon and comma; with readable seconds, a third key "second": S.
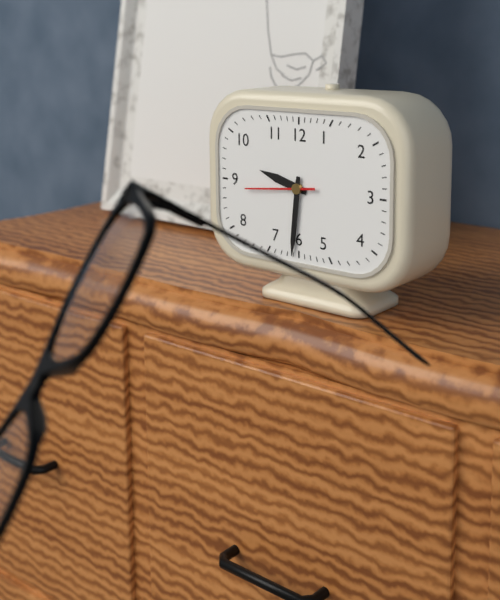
{"hour": 9, "minute": 31, "second": 44}
